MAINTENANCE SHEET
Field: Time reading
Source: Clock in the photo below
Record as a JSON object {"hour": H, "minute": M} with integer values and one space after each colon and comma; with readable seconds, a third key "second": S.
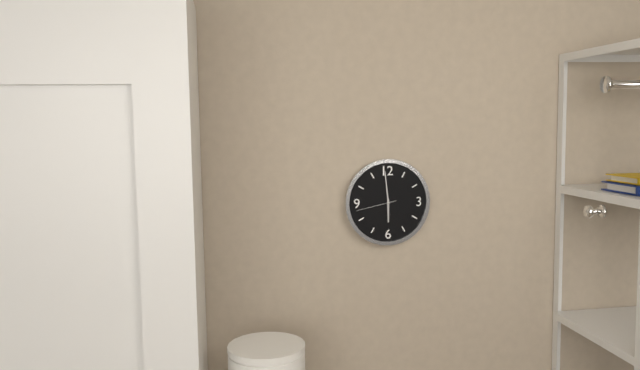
{"hour": 5, "minute": 59}
